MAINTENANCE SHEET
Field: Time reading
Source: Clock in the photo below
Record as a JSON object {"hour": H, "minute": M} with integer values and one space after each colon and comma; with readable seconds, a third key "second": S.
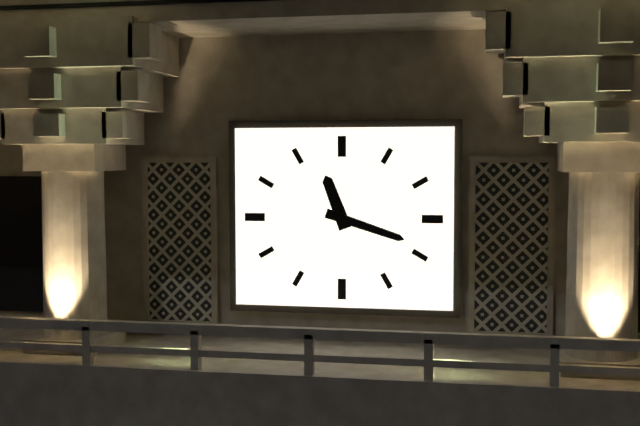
{"hour": 11, "minute": 18}
